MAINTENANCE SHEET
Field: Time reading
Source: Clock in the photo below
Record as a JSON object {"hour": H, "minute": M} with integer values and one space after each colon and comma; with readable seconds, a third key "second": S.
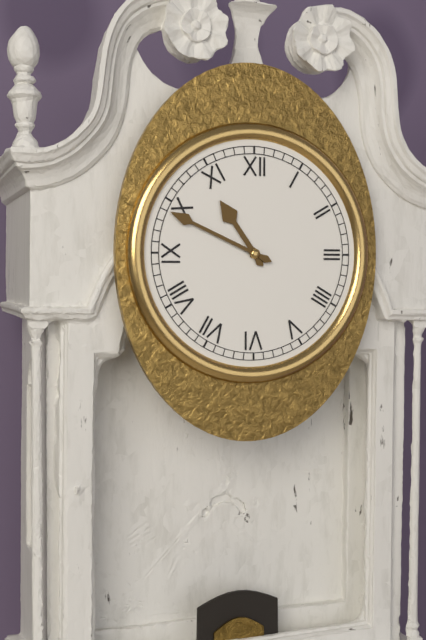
{"hour": 10, "minute": 49}
